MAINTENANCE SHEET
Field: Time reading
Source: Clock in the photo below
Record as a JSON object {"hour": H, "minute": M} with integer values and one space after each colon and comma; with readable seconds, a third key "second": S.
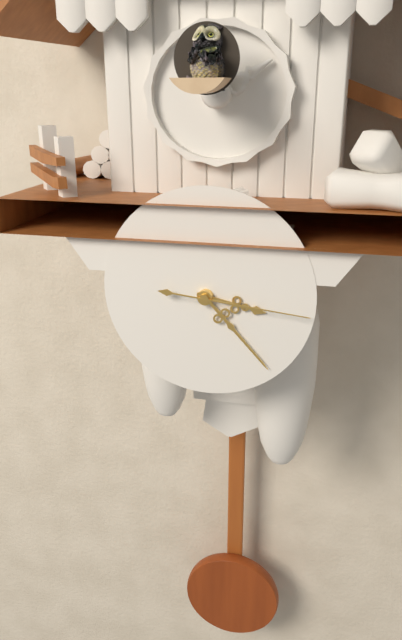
{"hour": 3, "minute": 23, "second": 16}
